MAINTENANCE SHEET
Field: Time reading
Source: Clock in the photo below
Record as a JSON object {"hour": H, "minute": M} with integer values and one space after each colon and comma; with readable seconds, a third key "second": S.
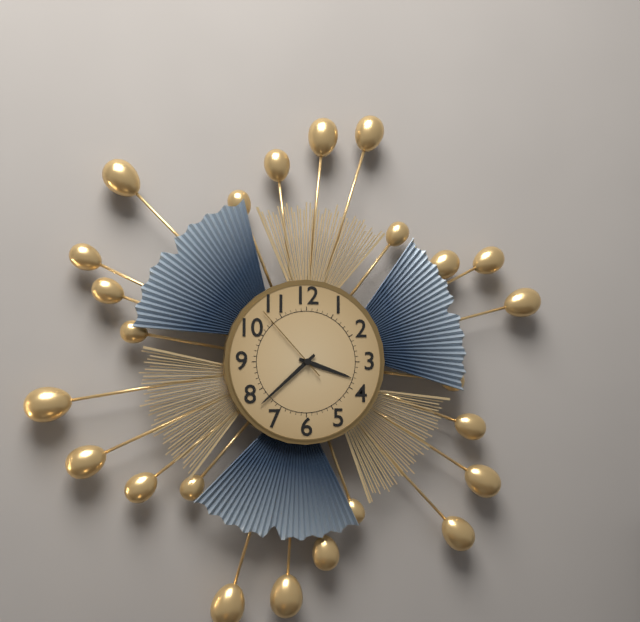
{"hour": 3, "minute": 38, "second": 53}
